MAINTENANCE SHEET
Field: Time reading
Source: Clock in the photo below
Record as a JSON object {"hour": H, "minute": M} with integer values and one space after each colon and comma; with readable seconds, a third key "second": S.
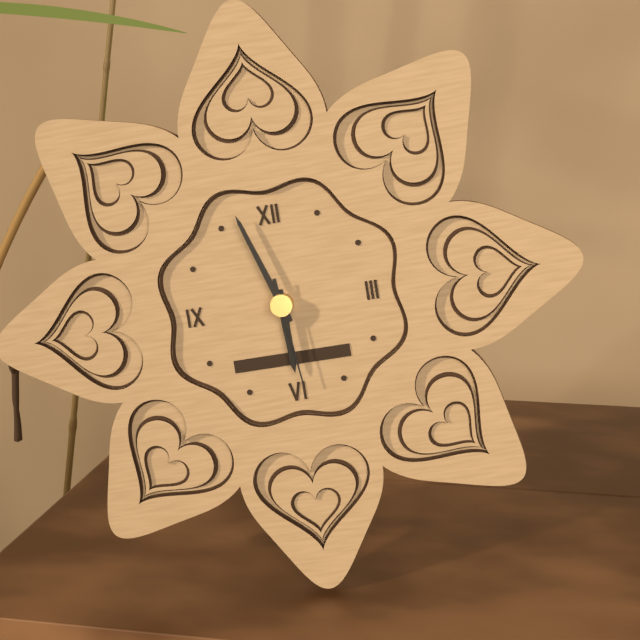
{"hour": 5, "minute": 57, "second": 29}
